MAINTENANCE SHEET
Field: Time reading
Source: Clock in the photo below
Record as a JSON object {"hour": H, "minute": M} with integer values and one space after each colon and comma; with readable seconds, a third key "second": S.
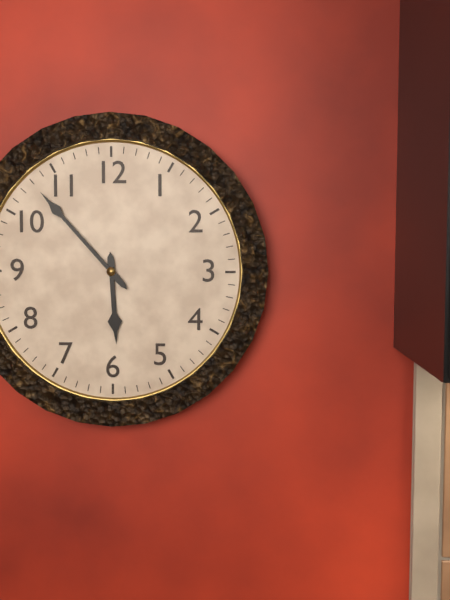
{"hour": 5, "minute": 53}
